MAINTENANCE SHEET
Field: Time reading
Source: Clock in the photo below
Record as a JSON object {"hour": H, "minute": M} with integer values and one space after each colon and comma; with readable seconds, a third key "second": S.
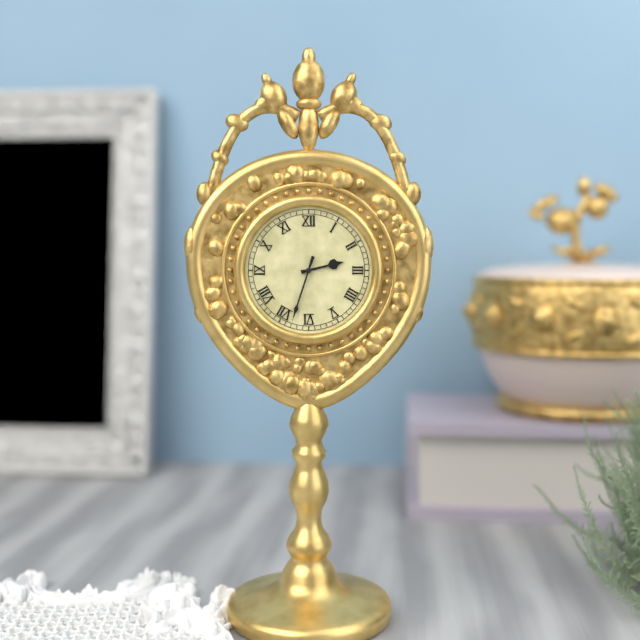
{"hour": 2, "minute": 33}
